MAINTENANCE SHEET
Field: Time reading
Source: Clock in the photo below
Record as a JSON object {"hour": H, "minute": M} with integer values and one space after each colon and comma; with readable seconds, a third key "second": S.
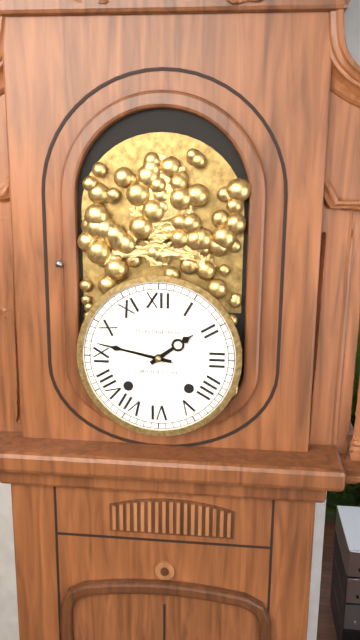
{"hour": 1, "minute": 47}
